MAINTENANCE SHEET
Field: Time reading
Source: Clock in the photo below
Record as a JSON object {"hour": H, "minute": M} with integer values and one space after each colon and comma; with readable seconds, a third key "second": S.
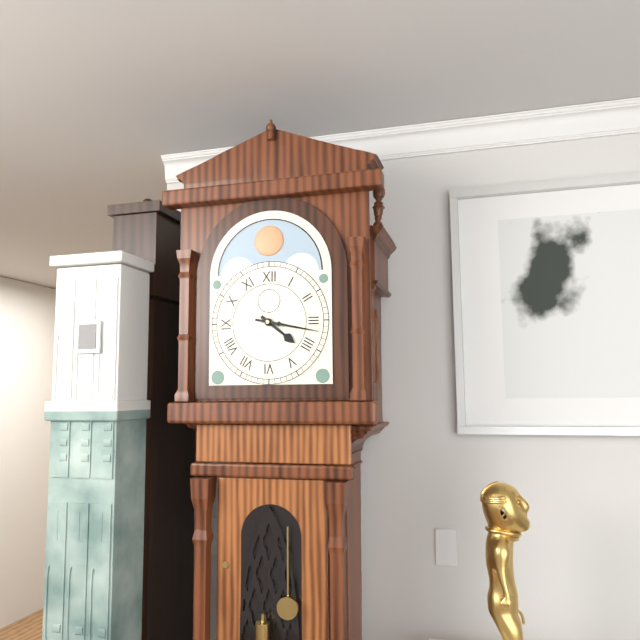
{"hour": 4, "minute": 17}
